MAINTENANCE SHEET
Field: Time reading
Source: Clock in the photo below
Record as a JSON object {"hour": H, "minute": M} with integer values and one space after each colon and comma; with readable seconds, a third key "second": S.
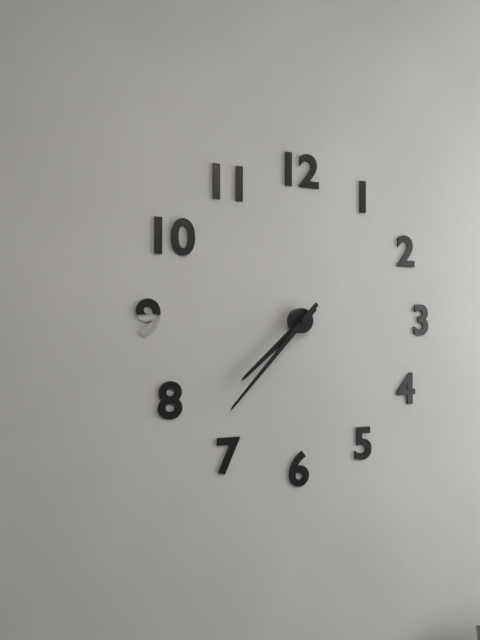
{"hour": 7, "minute": 37}
